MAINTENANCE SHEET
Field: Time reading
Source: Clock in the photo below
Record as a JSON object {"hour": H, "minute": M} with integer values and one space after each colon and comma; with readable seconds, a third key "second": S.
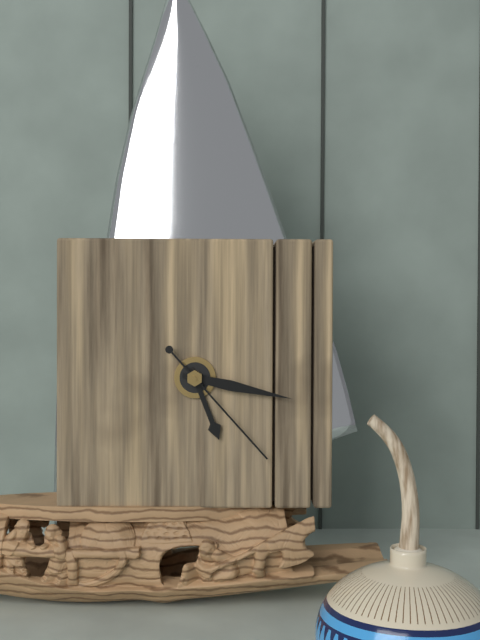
{"hour": 5, "minute": 17, "second": 23}
